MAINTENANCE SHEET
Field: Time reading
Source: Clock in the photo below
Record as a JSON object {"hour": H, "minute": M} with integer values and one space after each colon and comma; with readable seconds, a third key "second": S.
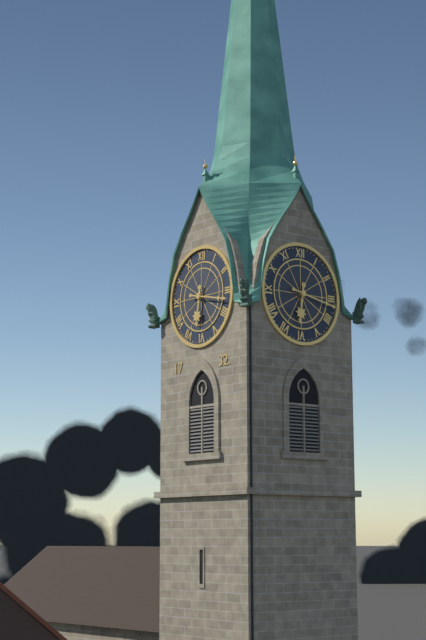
{"hour": 6, "minute": 17}
